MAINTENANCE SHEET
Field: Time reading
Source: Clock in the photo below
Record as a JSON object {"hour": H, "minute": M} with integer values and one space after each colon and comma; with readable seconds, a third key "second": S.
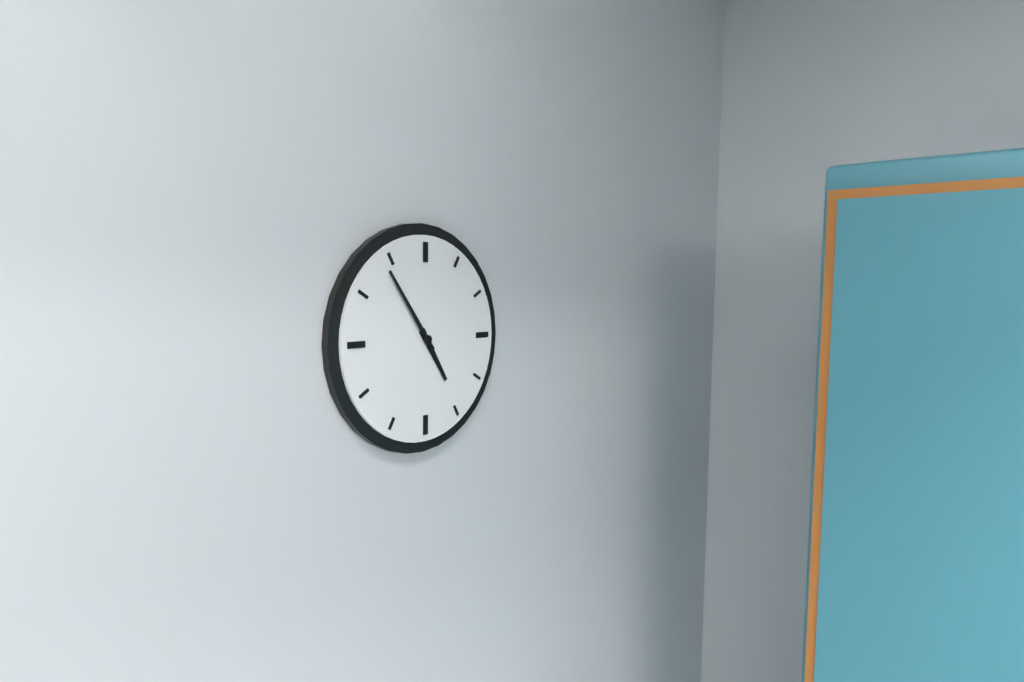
{"hour": 4, "minute": 54}
